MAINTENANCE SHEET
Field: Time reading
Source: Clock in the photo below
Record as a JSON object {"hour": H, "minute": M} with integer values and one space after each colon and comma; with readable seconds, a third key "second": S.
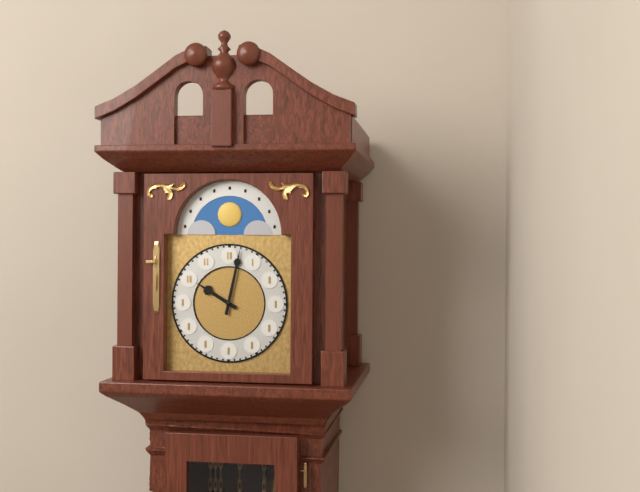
{"hour": 10, "minute": 2}
